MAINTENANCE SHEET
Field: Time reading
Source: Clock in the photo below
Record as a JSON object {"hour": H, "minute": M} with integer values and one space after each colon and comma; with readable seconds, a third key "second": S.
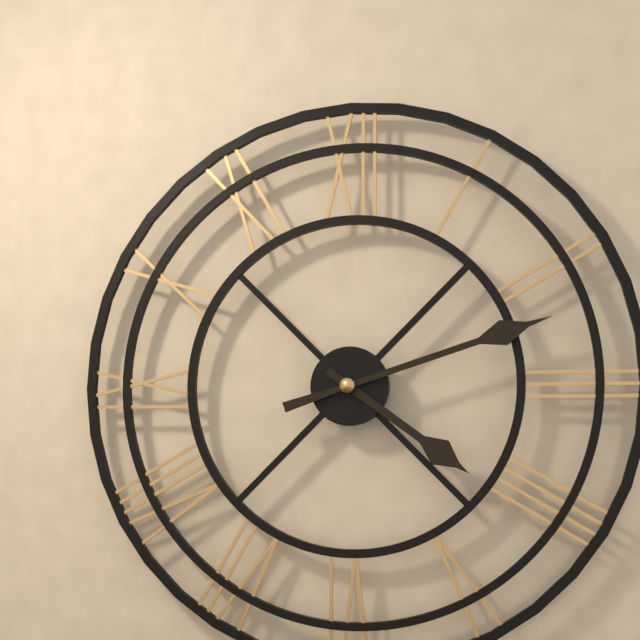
{"hour": 4, "minute": 12}
